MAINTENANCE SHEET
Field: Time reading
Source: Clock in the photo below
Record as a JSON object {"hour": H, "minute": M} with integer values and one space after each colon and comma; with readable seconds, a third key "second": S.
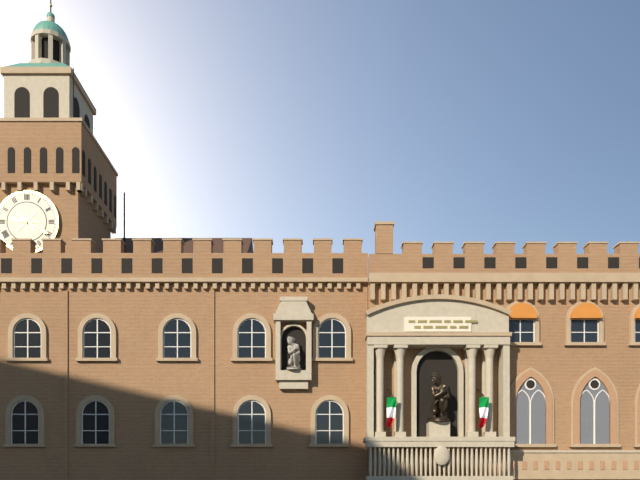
{"hour": 9, "minute": 20}
